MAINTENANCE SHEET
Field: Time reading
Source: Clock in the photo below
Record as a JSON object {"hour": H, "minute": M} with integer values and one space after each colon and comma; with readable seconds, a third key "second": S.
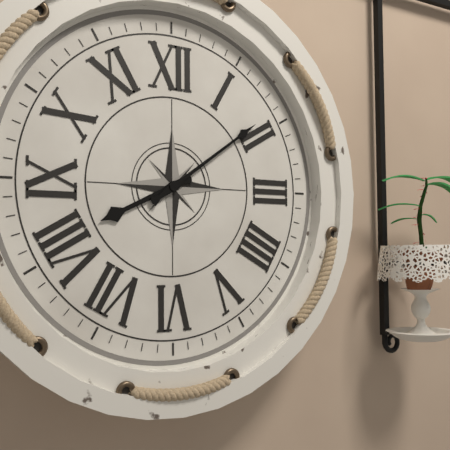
{"hour": 8, "minute": 9}
